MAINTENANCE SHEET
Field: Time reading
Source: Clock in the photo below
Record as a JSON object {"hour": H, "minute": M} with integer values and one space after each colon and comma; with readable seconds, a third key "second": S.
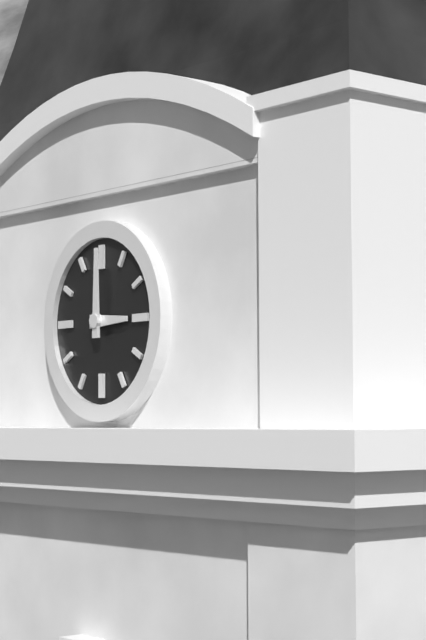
{"hour": 3, "minute": 0}
